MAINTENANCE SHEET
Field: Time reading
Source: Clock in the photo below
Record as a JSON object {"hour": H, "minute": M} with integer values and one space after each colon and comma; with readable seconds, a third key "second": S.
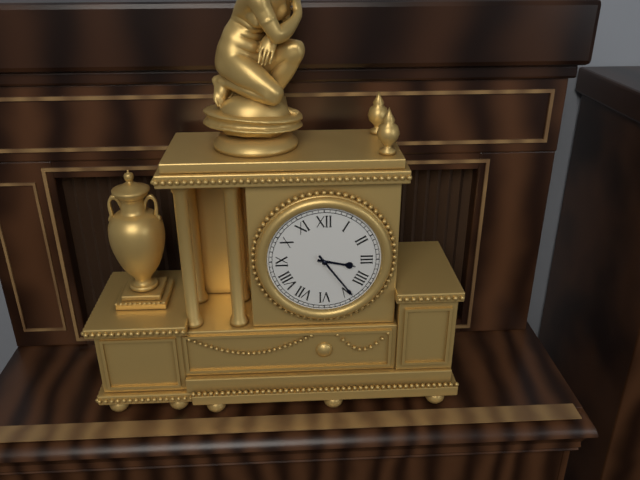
{"hour": 3, "minute": 24}
